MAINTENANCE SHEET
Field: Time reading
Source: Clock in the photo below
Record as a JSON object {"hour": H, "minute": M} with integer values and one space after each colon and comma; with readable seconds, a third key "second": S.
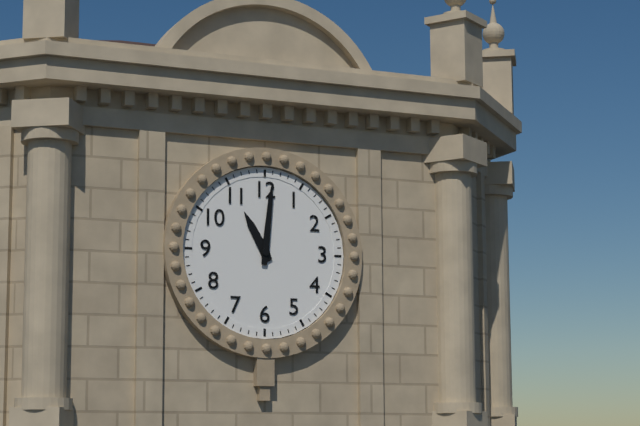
{"hour": 11, "minute": 1}
